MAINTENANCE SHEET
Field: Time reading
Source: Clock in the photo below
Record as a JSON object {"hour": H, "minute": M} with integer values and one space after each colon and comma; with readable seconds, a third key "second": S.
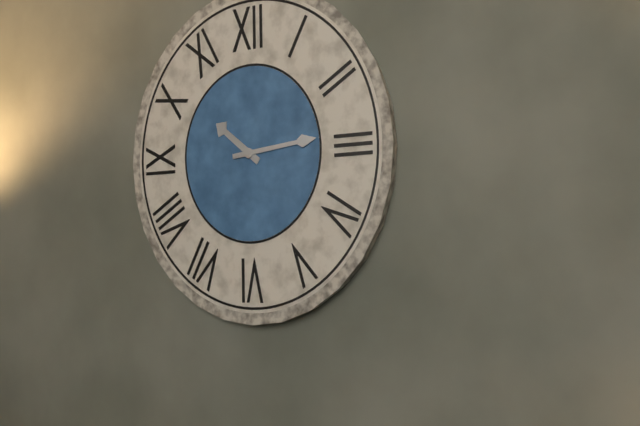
{"hour": 10, "minute": 14}
